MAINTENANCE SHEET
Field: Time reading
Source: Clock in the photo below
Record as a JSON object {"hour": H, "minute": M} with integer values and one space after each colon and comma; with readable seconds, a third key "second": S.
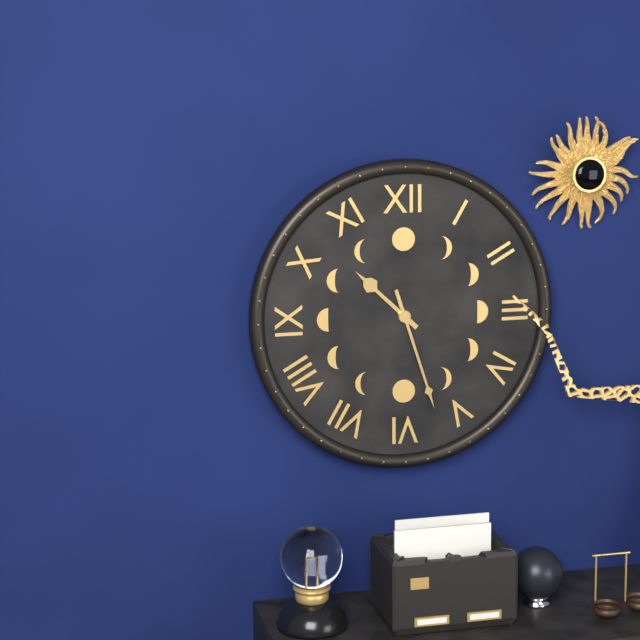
{"hour": 10, "minute": 27}
